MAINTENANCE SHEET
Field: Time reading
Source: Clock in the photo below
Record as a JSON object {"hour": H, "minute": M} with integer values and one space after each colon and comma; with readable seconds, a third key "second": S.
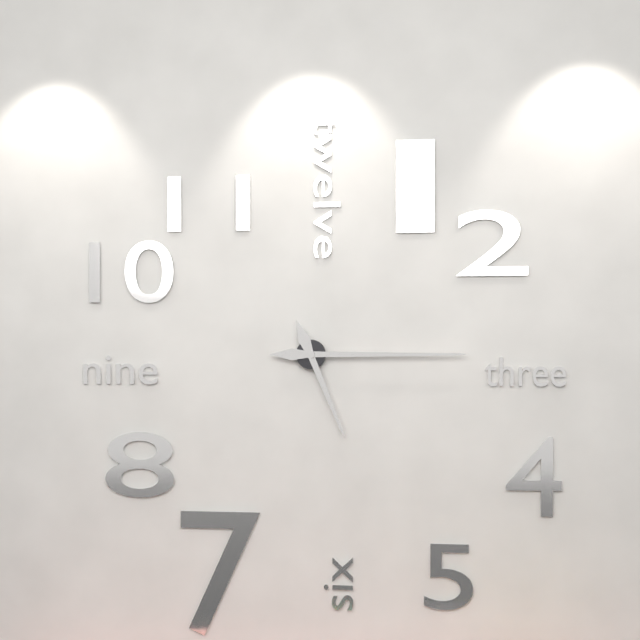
{"hour": 5, "minute": 15}
